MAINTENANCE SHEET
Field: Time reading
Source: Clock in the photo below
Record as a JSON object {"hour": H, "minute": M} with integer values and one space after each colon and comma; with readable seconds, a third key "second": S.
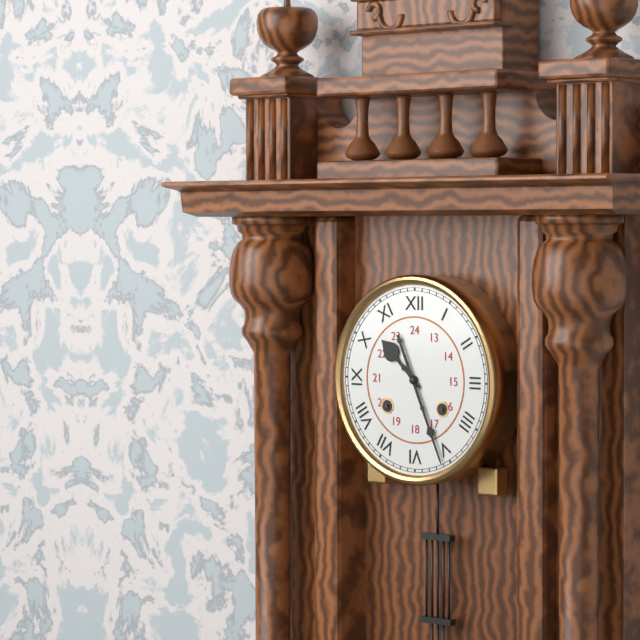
{"hour": 10, "minute": 26}
